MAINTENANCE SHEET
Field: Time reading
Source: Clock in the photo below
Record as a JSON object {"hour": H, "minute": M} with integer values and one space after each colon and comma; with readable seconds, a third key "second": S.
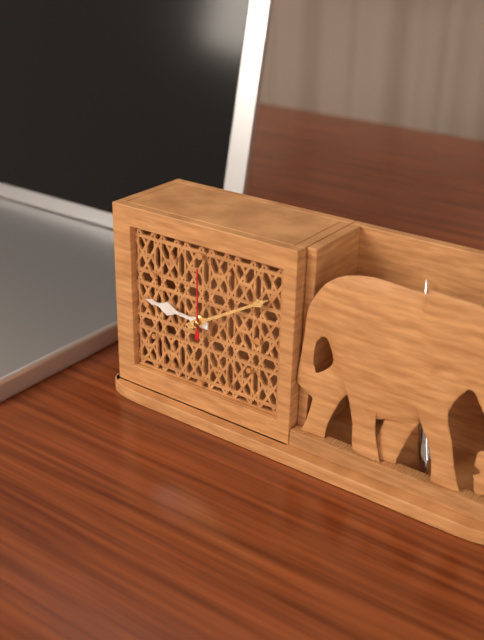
{"hour": 9, "minute": 10, "second": 0}
